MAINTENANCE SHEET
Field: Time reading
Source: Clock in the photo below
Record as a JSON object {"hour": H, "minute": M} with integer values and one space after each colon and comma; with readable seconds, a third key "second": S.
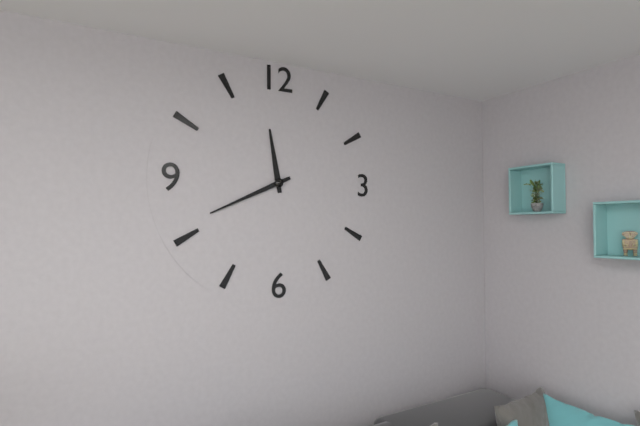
{"hour": 11, "minute": 41}
